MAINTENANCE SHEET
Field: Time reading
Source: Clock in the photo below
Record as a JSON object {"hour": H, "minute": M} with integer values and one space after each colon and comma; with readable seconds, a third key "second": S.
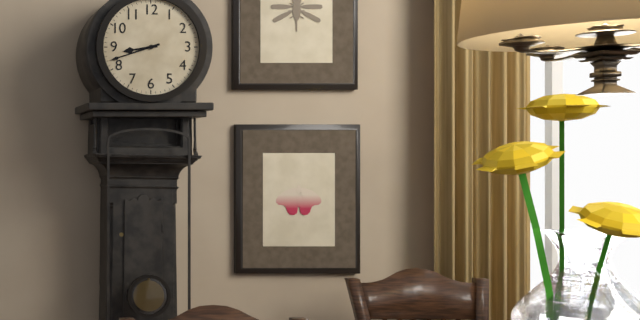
{"hour": 8, "minute": 42}
